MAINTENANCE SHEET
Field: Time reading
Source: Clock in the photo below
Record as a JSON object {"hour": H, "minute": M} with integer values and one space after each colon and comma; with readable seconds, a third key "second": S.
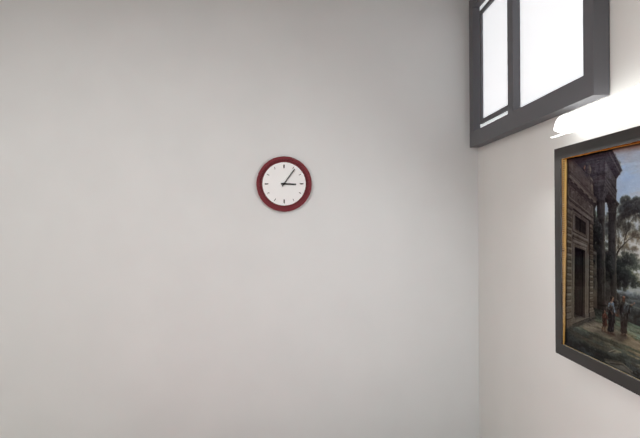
{"hour": 3, "minute": 6}
